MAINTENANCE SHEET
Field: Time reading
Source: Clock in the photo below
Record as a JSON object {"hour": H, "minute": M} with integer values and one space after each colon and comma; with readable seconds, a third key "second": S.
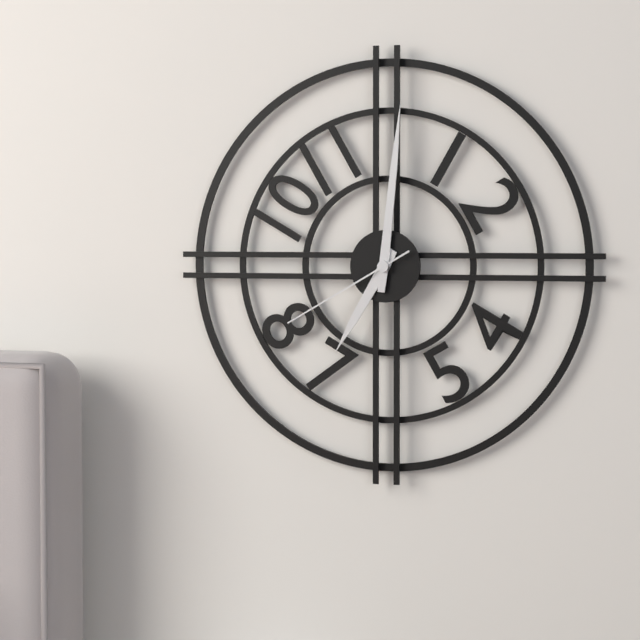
{"hour": 7, "minute": 1, "second": 40}
